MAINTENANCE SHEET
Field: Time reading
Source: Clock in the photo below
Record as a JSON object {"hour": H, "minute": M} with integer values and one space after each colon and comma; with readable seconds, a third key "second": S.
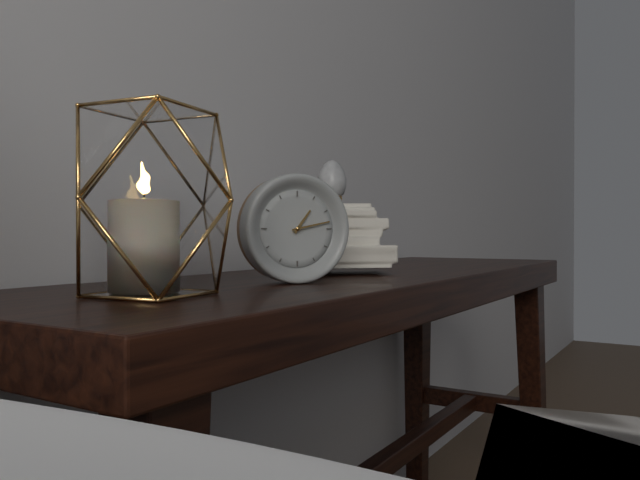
{"hour": 1, "minute": 13}
